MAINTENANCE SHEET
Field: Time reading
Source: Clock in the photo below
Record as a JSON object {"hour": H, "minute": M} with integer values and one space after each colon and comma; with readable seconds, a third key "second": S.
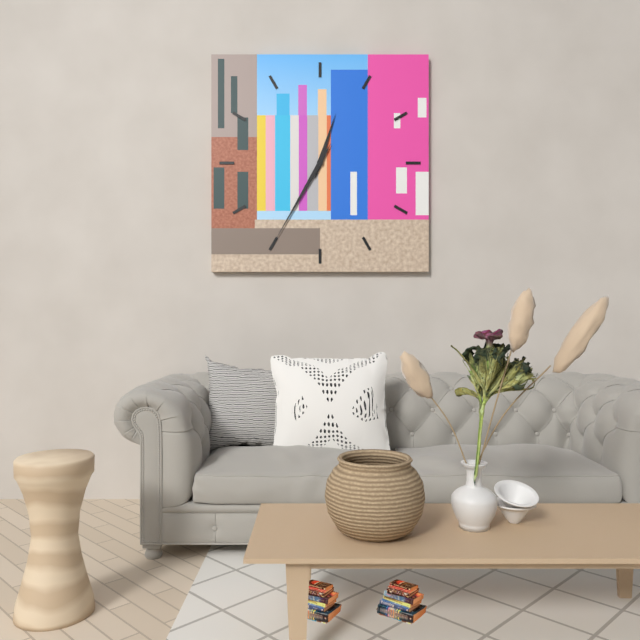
{"hour": 12, "minute": 35}
